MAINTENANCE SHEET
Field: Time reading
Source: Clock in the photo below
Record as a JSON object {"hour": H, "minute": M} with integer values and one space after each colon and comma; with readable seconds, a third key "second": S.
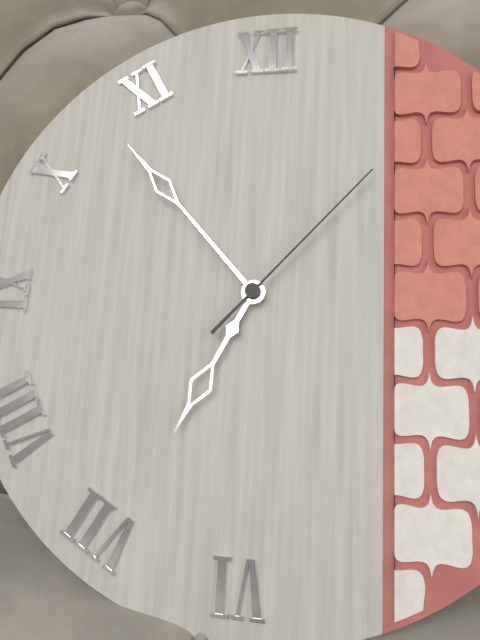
{"hour": 6, "minute": 53, "second": 7}
